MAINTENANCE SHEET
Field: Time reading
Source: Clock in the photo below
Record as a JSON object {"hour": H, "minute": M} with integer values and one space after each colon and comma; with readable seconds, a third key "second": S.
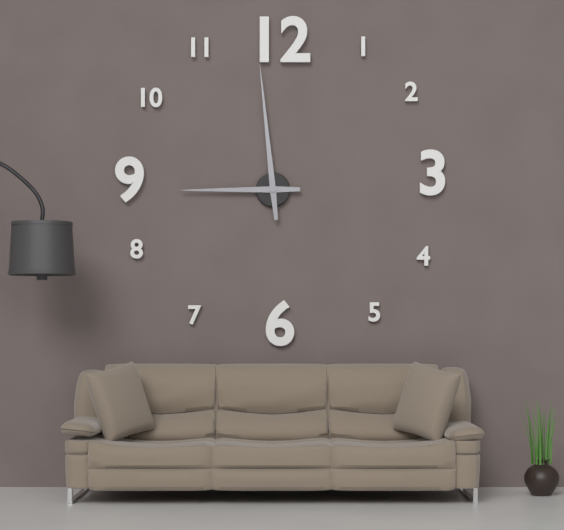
{"hour": 8, "minute": 59}
